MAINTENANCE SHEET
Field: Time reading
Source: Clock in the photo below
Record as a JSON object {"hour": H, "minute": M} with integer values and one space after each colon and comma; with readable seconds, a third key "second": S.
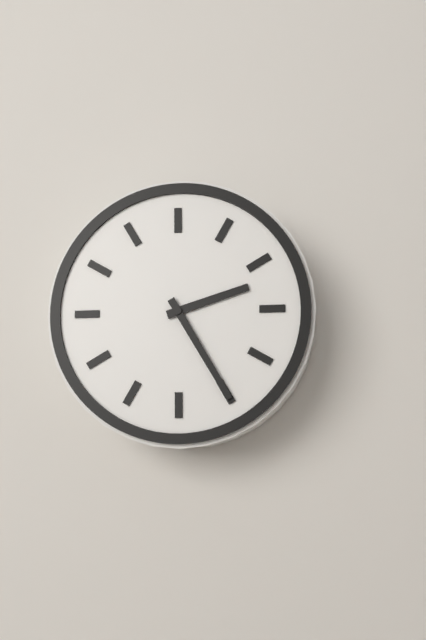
{"hour": 2, "minute": 25}
